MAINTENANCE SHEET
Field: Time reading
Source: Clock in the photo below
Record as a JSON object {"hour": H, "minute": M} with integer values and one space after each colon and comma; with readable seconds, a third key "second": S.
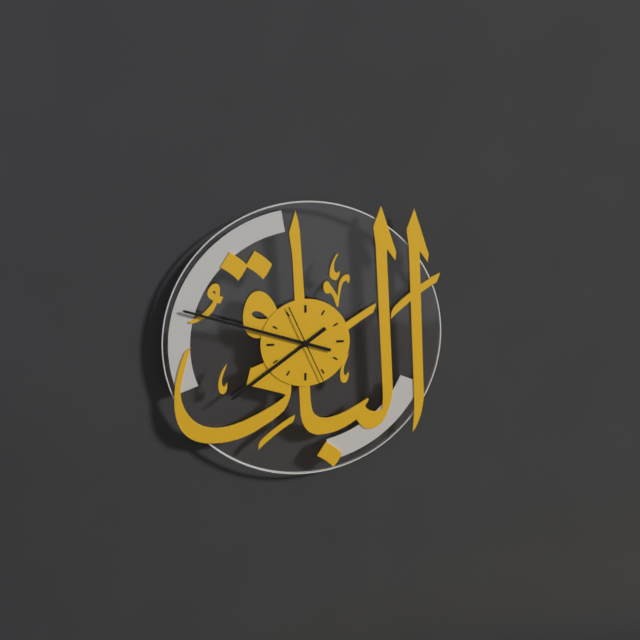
{"hour": 7, "minute": 48, "second": 26}
